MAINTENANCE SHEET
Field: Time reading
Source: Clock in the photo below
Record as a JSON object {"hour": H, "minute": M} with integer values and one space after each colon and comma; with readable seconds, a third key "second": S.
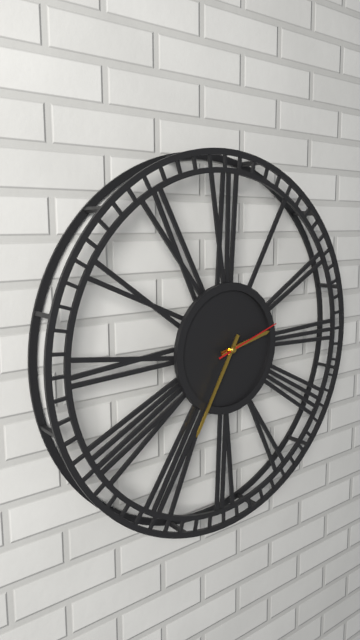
{"hour": 2, "minute": 35, "second": 12}
